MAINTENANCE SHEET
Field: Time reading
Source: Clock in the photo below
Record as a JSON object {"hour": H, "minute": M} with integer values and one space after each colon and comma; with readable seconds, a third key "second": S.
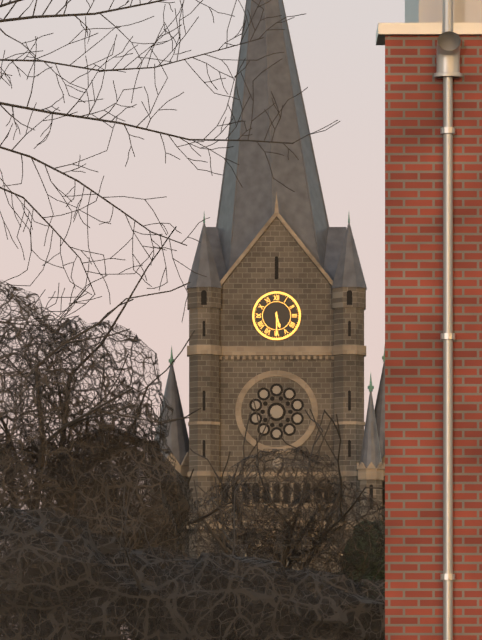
{"hour": 5, "minute": 30}
